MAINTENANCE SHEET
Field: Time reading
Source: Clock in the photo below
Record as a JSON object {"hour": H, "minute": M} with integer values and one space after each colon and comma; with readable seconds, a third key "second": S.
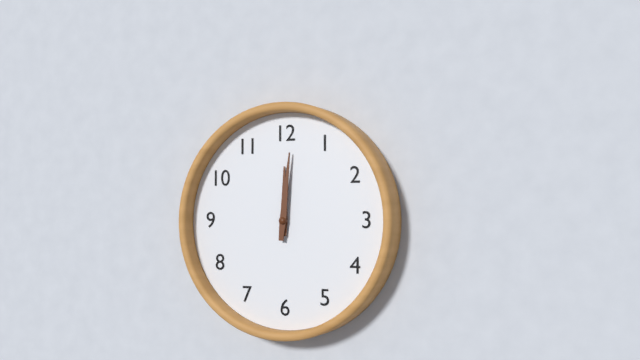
{"hour": 12, "minute": 1}
